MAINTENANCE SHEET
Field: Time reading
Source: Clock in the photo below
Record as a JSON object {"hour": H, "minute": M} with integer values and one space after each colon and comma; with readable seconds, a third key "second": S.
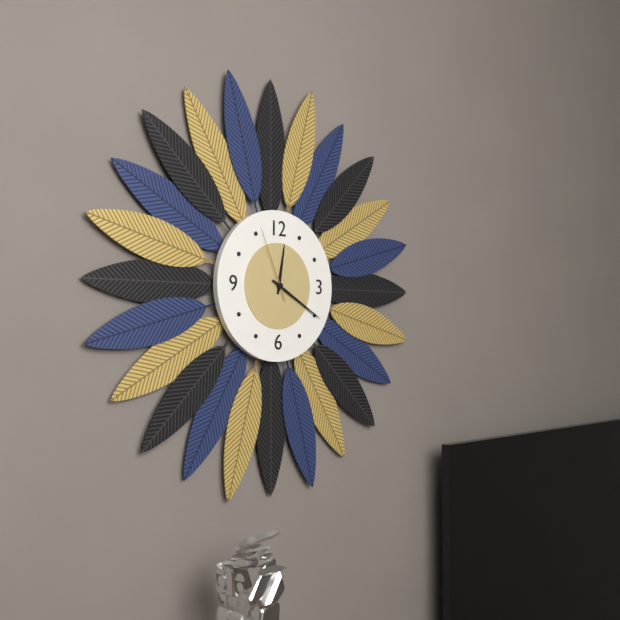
{"hour": 12, "minute": 20, "second": 56}
